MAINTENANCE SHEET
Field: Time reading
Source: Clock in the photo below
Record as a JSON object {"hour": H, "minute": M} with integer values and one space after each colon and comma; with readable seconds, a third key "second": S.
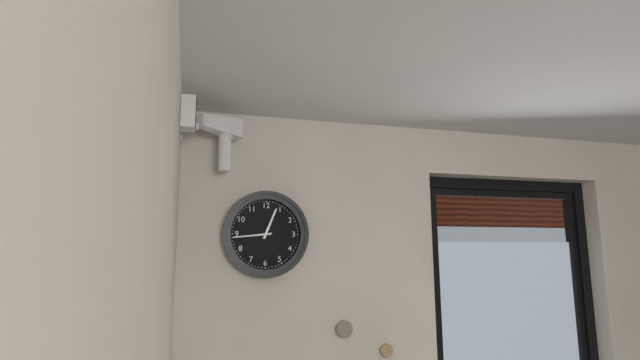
{"hour": 12, "minute": 44}
